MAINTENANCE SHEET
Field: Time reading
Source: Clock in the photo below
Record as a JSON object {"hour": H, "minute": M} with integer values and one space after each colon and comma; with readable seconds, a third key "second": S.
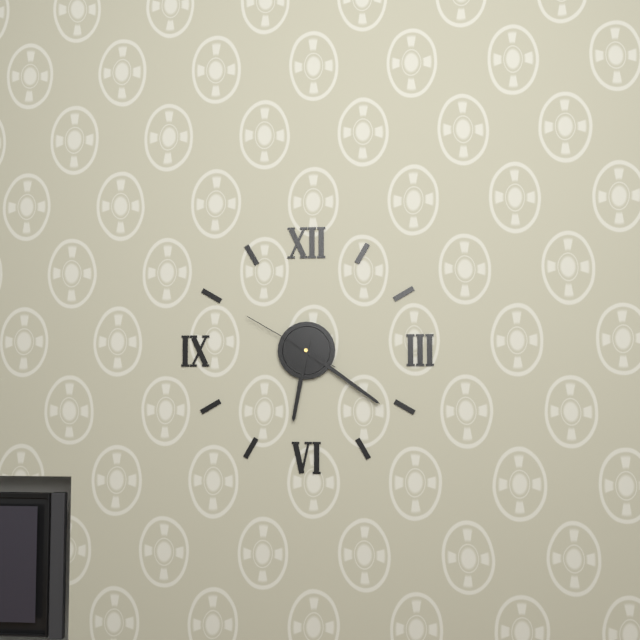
{"hour": 6, "minute": 21, "second": 50}
